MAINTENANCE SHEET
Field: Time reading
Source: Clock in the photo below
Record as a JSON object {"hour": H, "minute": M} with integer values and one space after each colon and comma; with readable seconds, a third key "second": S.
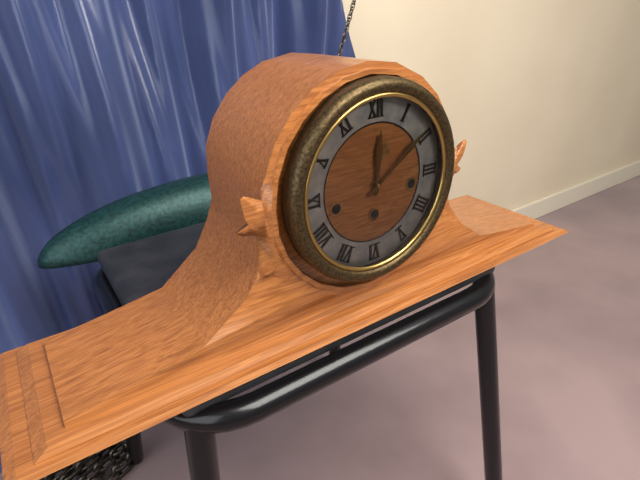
{"hour": 12, "minute": 9}
